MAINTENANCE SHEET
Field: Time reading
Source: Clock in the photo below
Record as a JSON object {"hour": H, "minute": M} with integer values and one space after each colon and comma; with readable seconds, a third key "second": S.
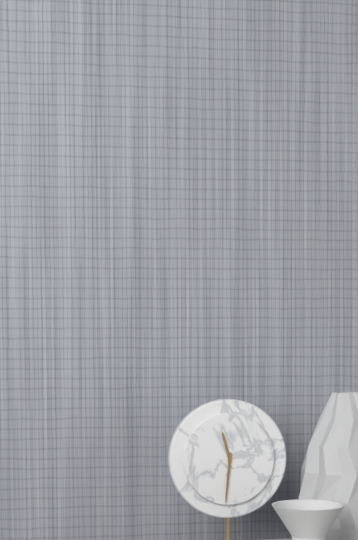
{"hour": 11, "minute": 31}
